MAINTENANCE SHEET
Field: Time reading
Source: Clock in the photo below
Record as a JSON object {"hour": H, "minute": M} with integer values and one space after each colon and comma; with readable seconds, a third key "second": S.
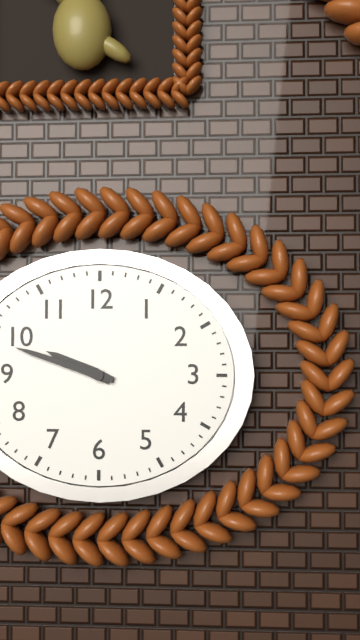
{"hour": 9, "minute": 48}
